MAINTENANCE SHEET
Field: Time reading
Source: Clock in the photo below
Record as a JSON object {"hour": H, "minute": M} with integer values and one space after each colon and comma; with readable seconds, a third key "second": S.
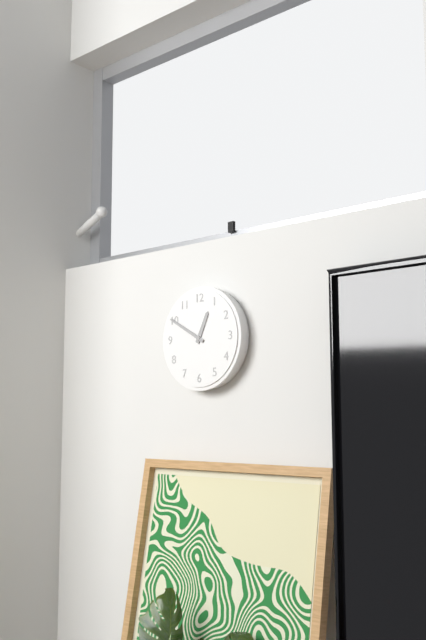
{"hour": 12, "minute": 50}
